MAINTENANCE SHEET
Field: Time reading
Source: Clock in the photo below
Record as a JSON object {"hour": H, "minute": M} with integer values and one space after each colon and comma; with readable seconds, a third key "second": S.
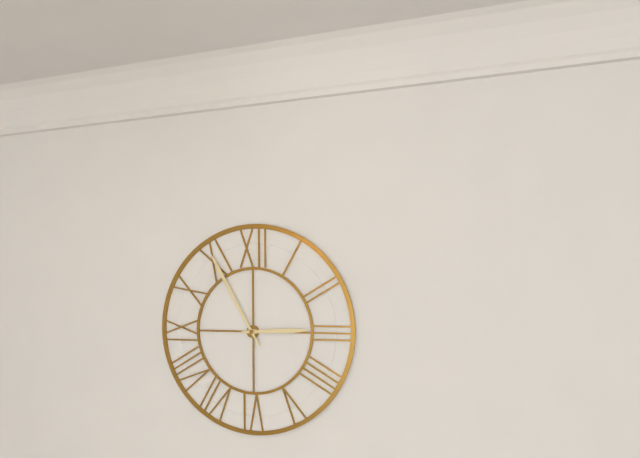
{"hour": 2, "minute": 55}
